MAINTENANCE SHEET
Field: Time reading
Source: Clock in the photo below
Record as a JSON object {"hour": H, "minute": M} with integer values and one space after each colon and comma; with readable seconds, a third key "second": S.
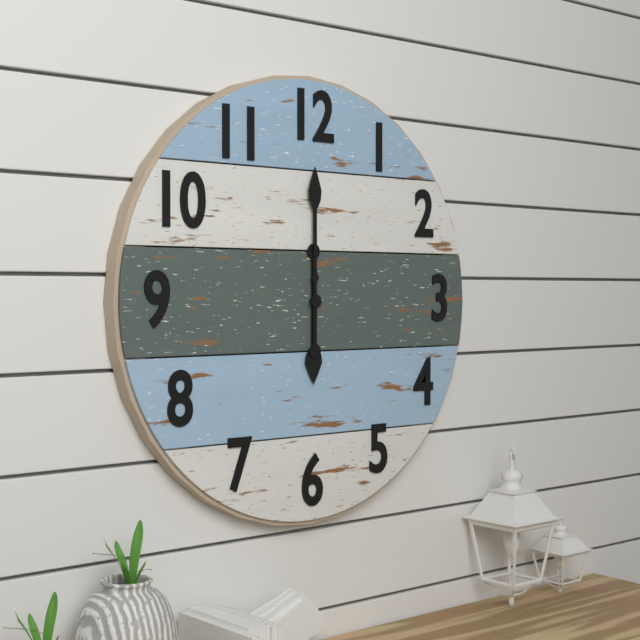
{"hour": 6, "minute": 0}
